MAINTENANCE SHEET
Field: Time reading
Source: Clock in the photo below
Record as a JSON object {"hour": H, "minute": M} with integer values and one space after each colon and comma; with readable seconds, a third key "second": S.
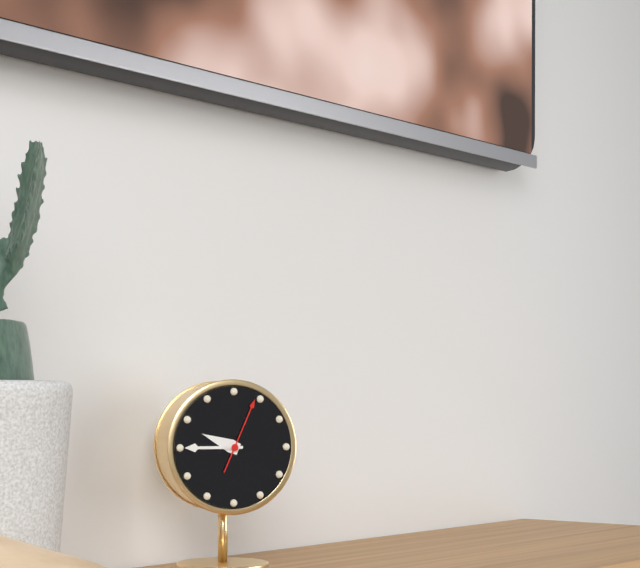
{"hour": 9, "minute": 45, "second": 4}
